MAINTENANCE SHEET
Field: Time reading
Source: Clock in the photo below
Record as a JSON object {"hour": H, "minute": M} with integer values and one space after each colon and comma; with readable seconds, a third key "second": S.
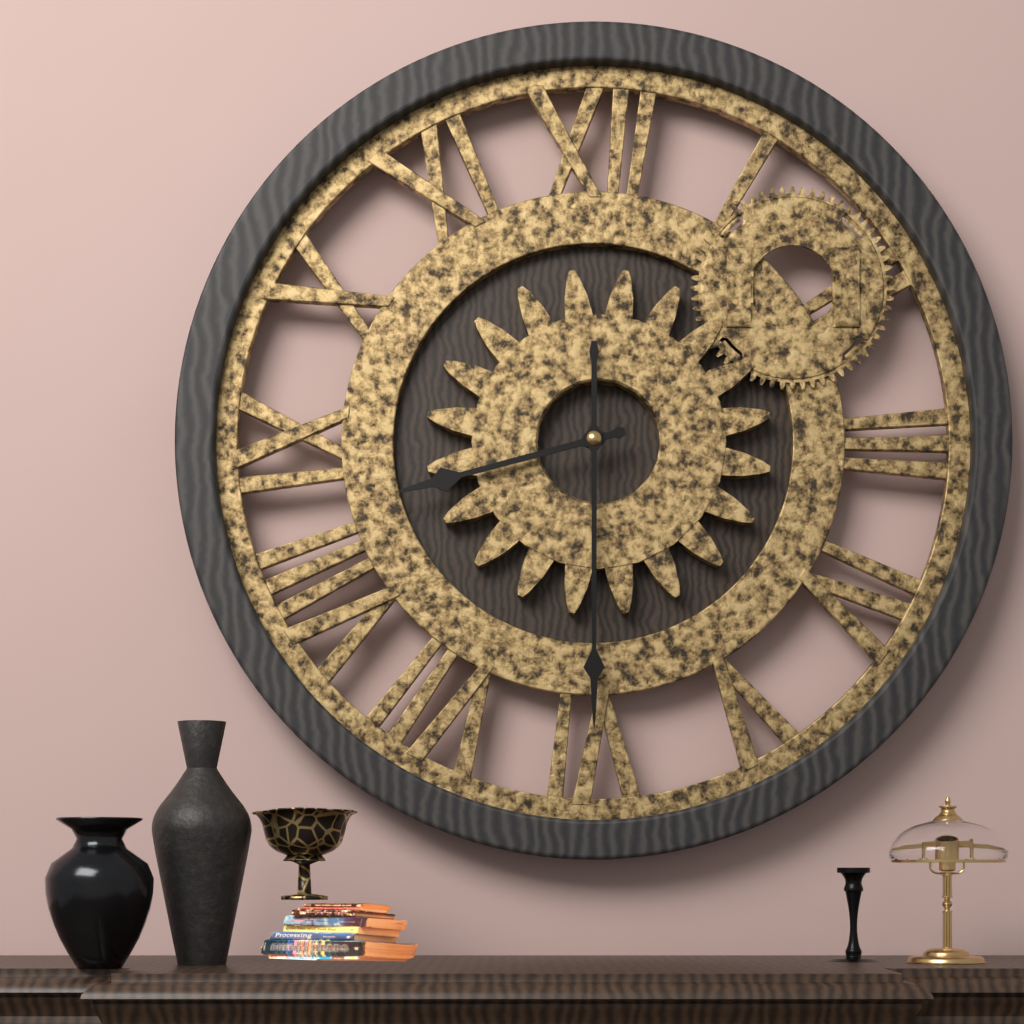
{"hour": 8, "minute": 30}
